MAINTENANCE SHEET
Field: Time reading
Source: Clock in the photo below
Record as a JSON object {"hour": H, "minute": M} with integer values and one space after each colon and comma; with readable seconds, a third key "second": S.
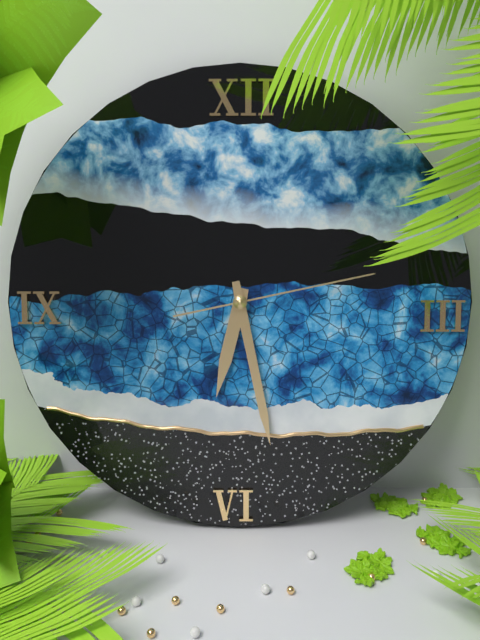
{"hour": 6, "minute": 28, "second": 13}
